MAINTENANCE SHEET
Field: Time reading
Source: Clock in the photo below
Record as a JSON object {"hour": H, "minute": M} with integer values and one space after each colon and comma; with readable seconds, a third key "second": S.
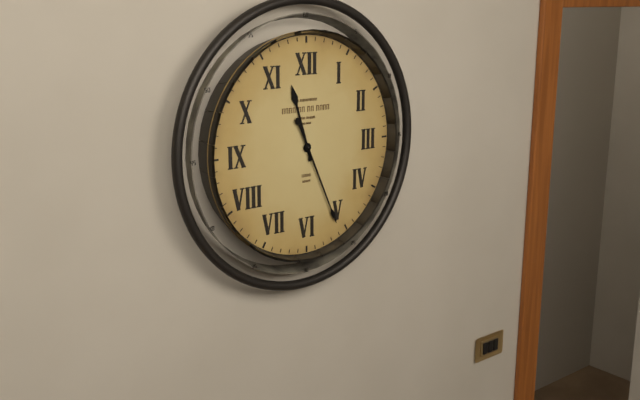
{"hour": 11, "minute": 26}
